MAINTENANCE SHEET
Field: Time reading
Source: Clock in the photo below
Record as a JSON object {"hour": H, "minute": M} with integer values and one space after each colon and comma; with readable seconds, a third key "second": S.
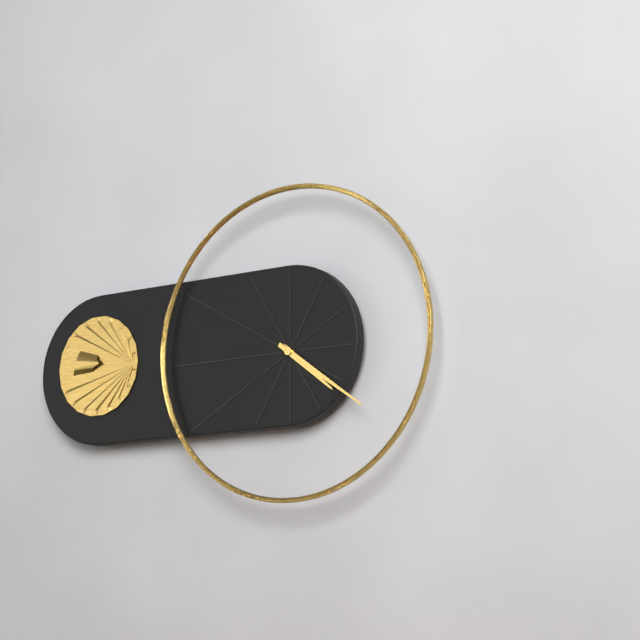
{"hour": 4, "minute": 21}
